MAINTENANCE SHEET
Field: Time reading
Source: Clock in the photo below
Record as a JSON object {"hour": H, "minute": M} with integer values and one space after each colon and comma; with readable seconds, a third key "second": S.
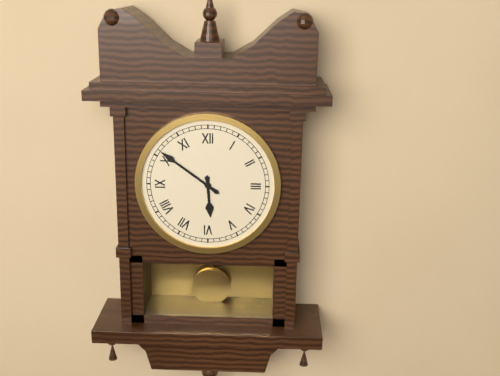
{"hour": 5, "minute": 51}
